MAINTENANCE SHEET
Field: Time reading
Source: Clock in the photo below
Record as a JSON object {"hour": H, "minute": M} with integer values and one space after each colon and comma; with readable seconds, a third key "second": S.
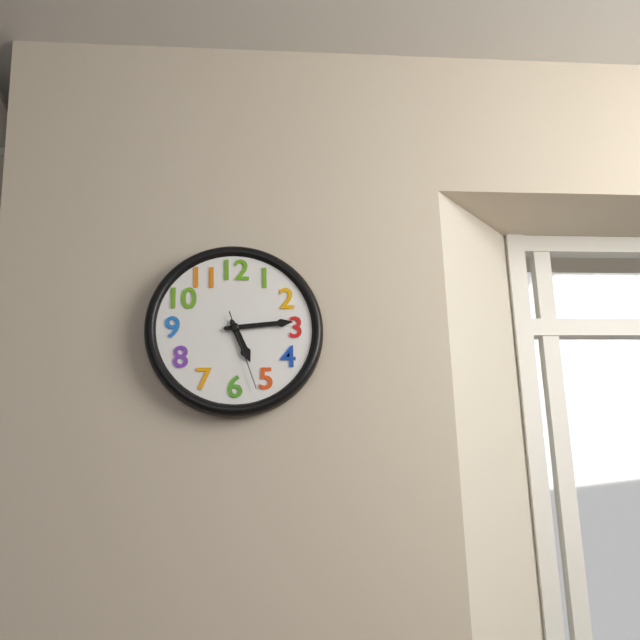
{"hour": 5, "minute": 14, "second": 27}
